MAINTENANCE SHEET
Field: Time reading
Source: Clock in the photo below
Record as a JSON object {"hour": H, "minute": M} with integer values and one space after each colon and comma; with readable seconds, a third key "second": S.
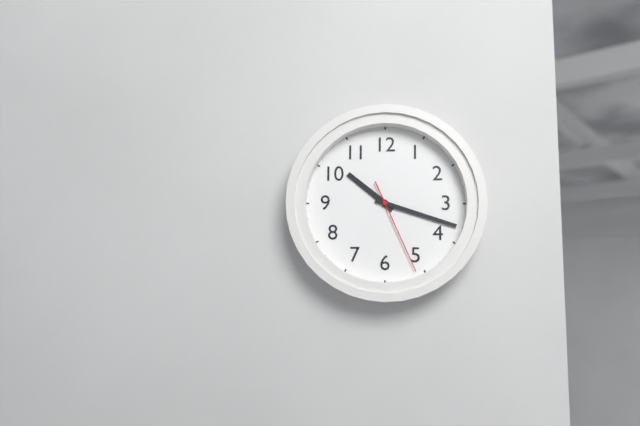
{"hour": 10, "minute": 18, "second": 26}
